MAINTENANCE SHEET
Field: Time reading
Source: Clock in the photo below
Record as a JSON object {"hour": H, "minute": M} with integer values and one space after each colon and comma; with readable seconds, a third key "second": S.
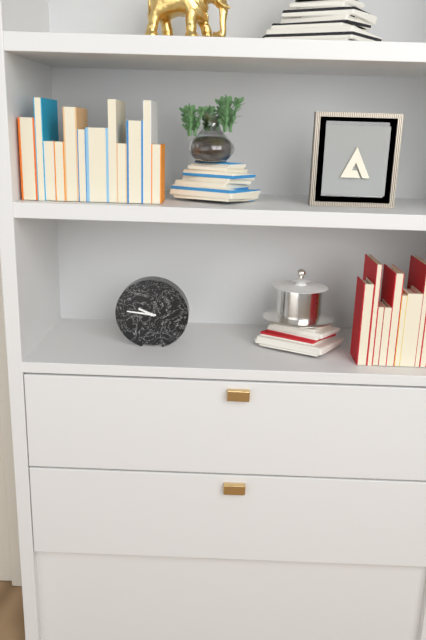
{"hour": 9, "minute": 46}
